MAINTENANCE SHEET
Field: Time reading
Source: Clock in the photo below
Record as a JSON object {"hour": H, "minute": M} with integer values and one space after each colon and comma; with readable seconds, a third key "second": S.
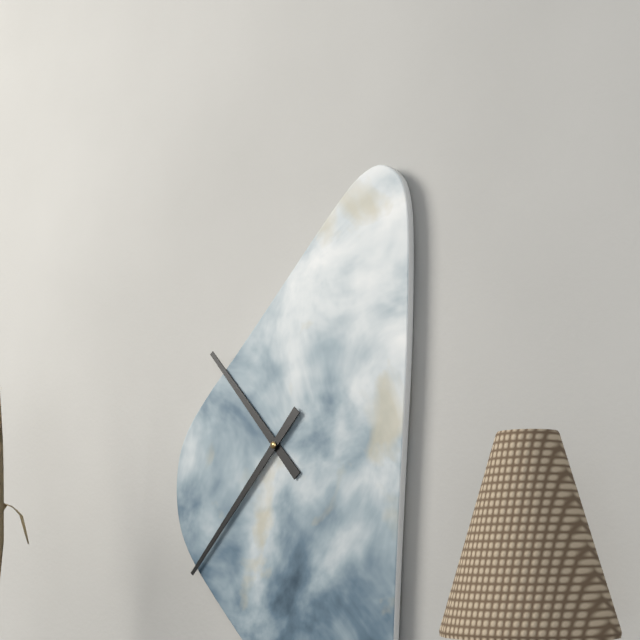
{"hour": 10, "minute": 37}
